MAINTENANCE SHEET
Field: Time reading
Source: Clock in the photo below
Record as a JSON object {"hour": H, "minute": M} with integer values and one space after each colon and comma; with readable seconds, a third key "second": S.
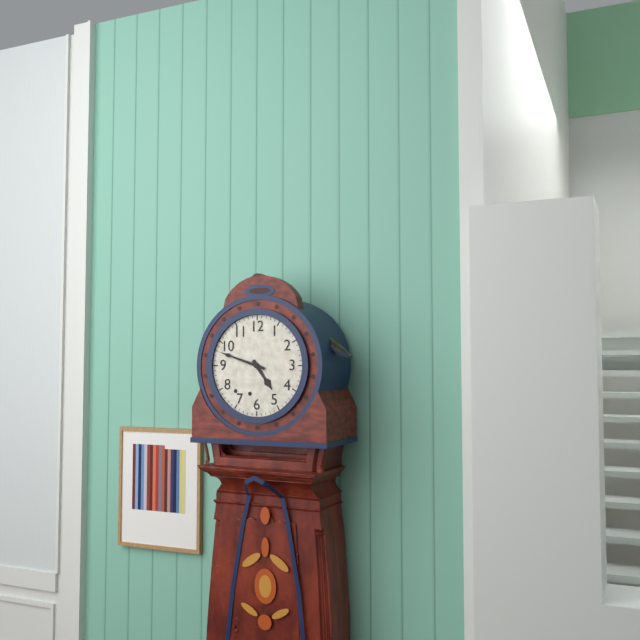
{"hour": 4, "minute": 48}
